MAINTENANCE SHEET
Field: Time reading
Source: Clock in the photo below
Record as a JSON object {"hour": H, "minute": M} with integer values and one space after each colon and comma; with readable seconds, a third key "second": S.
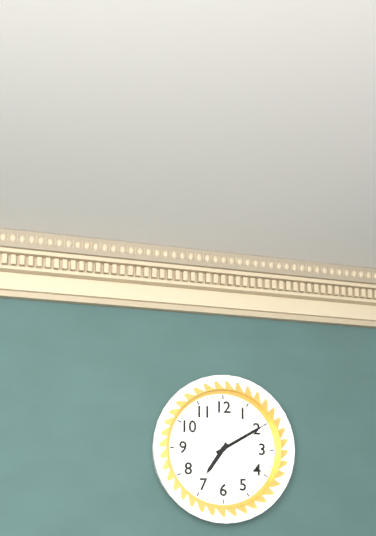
{"hour": 7, "minute": 10}
